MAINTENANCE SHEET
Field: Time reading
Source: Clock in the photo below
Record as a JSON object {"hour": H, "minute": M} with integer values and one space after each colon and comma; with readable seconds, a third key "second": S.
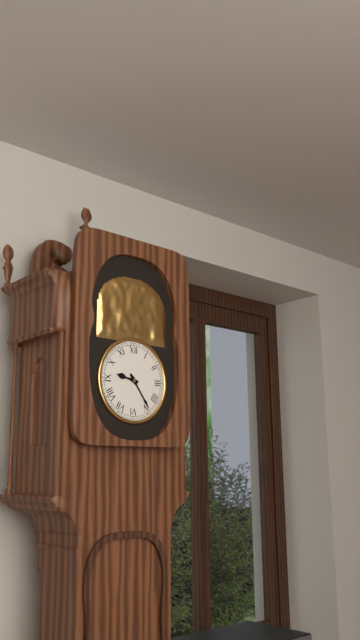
{"hour": 9, "minute": 24}
